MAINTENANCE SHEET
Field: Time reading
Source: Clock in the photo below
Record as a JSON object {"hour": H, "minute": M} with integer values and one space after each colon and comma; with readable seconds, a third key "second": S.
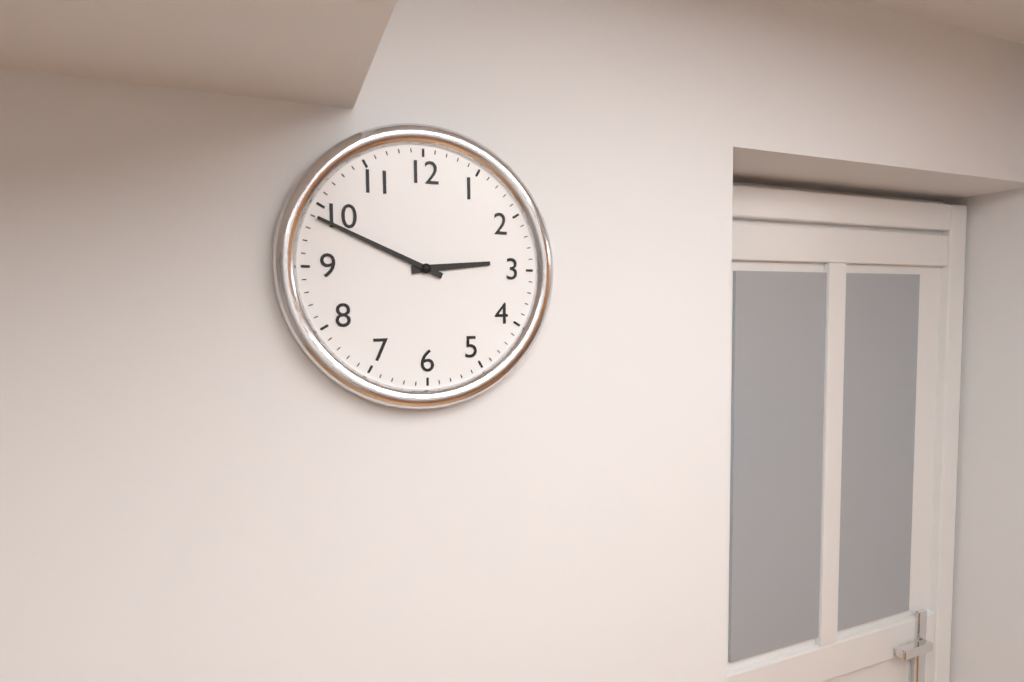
{"hour": 2, "minute": 49}
